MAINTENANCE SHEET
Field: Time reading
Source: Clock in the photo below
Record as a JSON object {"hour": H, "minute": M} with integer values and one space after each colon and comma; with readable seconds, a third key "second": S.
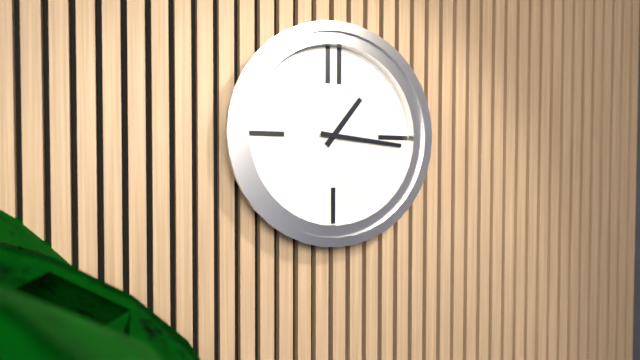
{"hour": 1, "minute": 16}
